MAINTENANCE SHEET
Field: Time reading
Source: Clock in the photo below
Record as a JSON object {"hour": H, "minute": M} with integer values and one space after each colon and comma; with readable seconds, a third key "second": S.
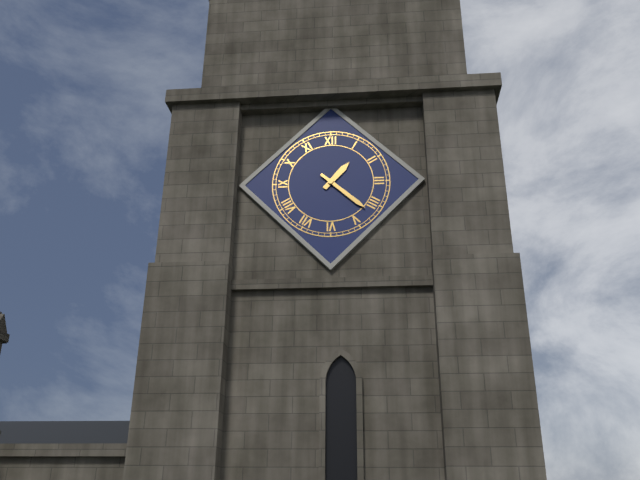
{"hour": 1, "minute": 22}
